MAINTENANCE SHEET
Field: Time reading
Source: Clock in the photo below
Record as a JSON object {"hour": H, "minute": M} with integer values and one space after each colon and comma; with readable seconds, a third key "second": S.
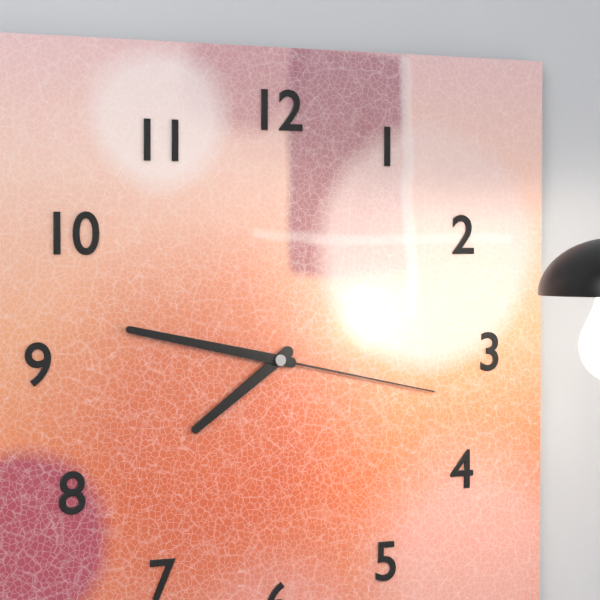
{"hour": 7, "minute": 47, "second": 17}
